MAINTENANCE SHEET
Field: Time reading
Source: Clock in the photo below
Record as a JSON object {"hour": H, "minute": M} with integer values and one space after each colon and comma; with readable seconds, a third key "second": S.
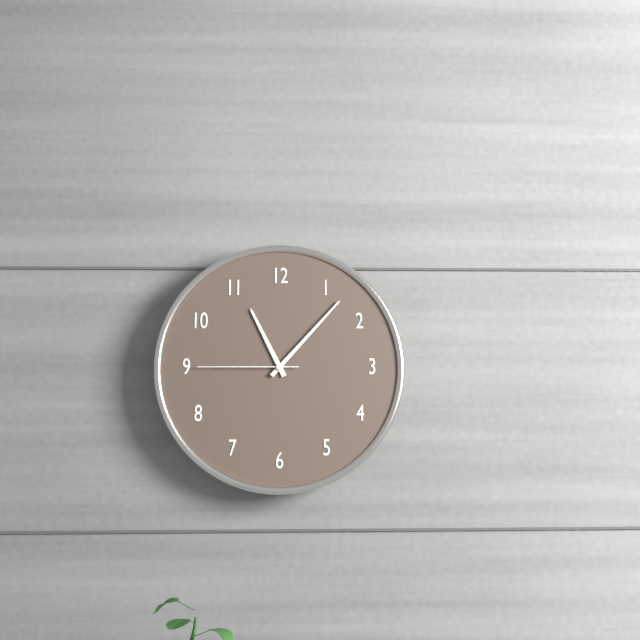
{"hour": 11, "minute": 7, "second": 45}
